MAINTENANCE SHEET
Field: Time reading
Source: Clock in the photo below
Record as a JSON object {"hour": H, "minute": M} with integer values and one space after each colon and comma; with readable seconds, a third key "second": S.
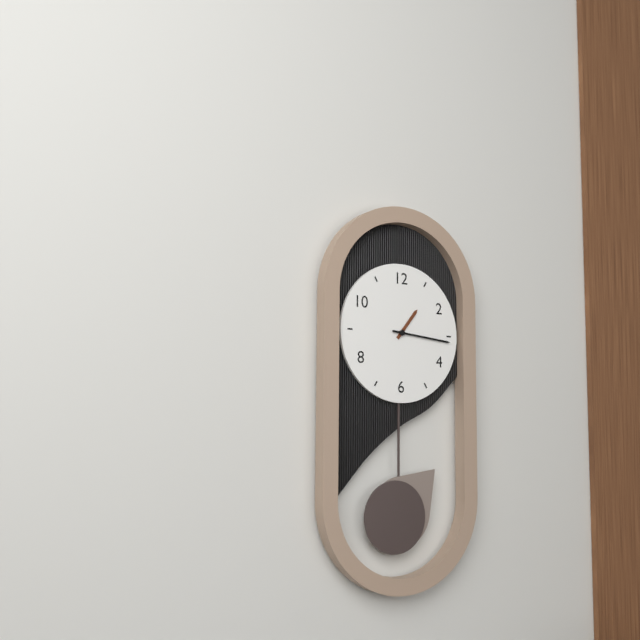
{"hour": 1, "minute": 16}
